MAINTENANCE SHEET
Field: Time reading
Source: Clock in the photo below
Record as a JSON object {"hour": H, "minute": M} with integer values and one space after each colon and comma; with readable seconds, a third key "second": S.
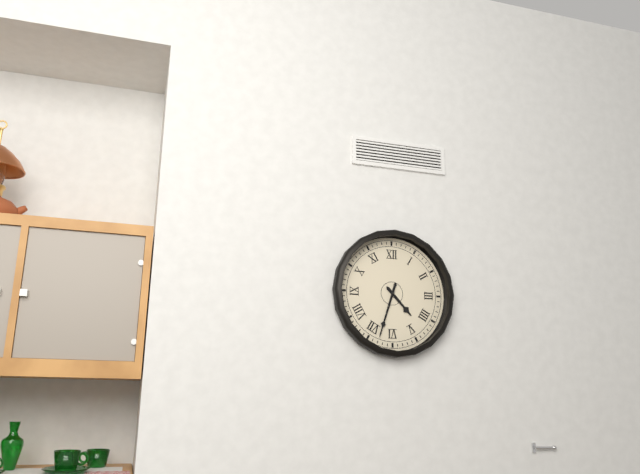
{"hour": 4, "minute": 33}
